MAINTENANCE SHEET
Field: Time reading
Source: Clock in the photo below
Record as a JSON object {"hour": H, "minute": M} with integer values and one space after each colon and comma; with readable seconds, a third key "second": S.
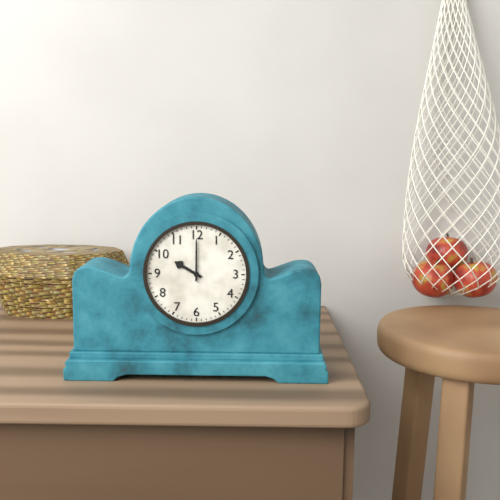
{"hour": 10, "minute": 0}
